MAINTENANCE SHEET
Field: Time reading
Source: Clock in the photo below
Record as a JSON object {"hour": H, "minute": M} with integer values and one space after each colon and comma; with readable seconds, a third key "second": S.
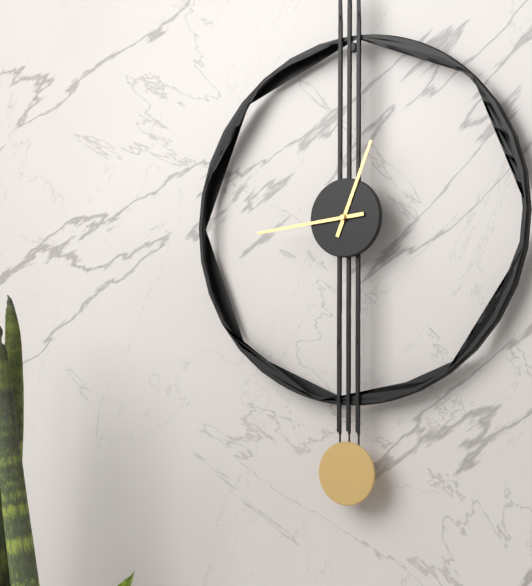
{"hour": 12, "minute": 44}
